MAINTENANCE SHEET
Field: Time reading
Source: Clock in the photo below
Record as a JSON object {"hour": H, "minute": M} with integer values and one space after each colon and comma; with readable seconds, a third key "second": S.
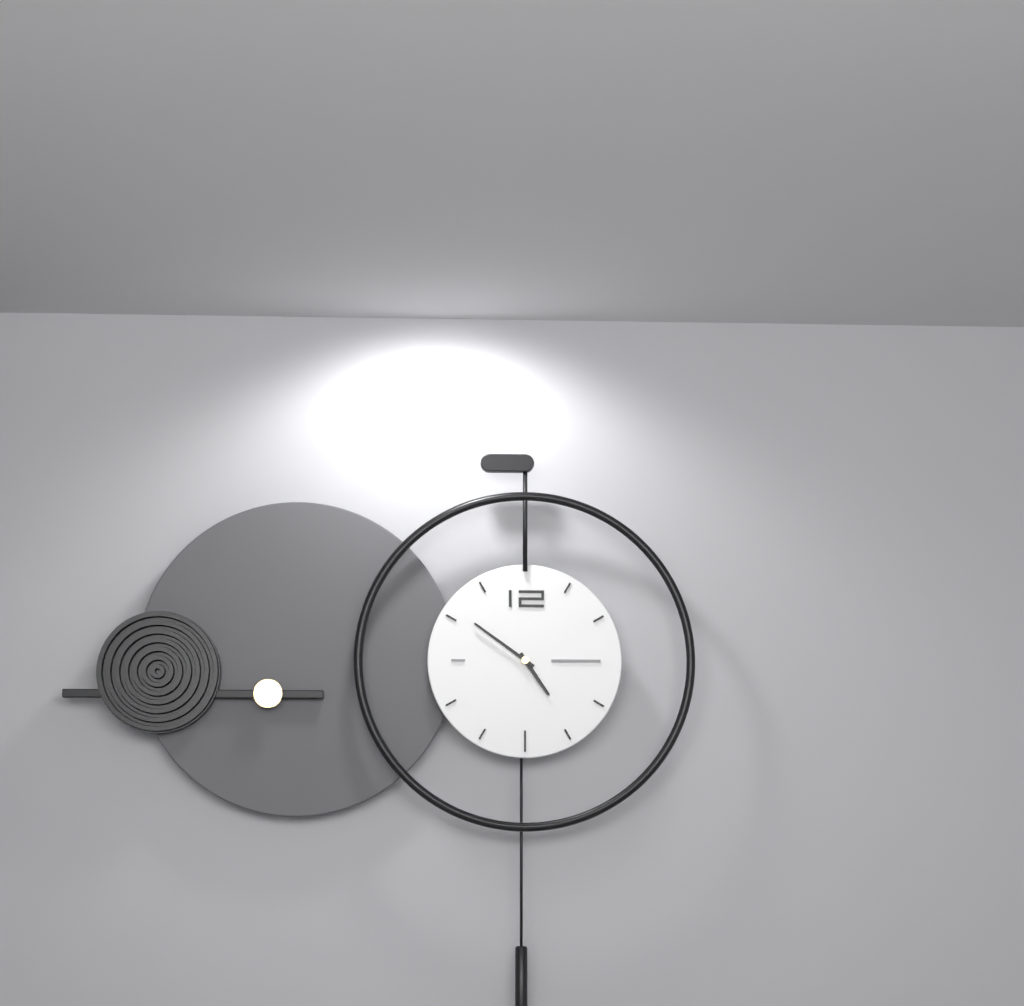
{"hour": 4, "minute": 51}
